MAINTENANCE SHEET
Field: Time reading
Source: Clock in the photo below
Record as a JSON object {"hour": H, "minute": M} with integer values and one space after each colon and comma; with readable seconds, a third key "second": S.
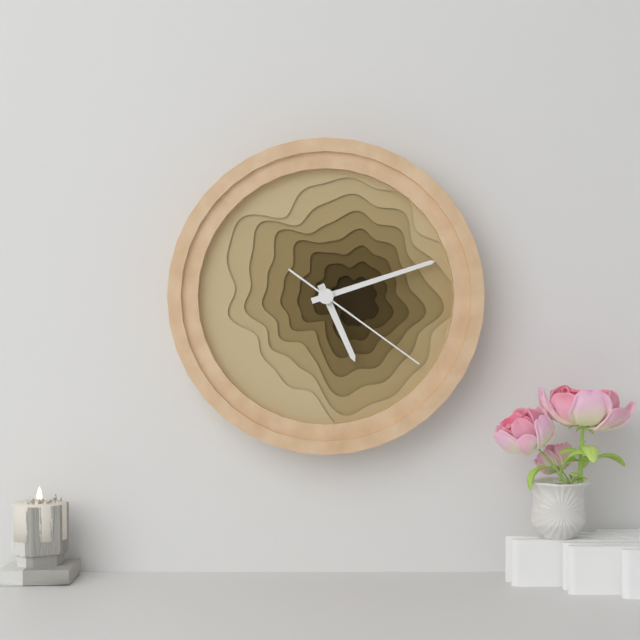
{"hour": 5, "minute": 12, "second": 21}
